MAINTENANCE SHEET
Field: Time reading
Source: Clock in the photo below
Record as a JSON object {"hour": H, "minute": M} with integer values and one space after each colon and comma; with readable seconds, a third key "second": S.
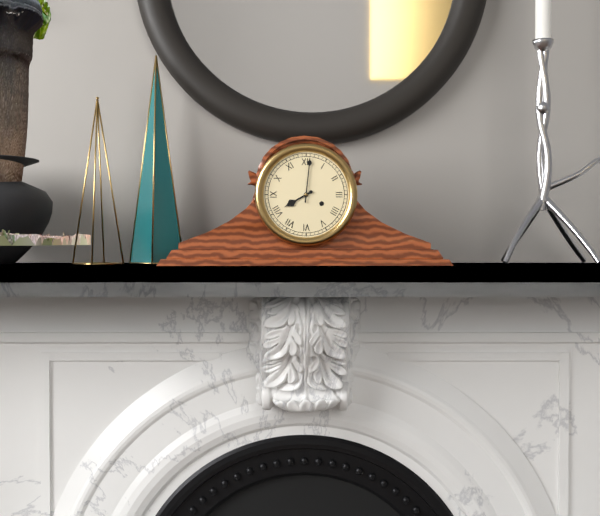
{"hour": 8, "minute": 1}
